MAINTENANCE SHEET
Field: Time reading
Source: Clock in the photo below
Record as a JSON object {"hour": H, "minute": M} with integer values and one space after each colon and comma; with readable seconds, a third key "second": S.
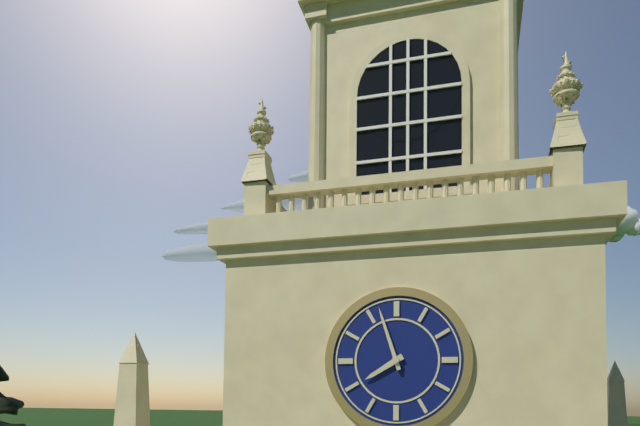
{"hour": 7, "minute": 57}
